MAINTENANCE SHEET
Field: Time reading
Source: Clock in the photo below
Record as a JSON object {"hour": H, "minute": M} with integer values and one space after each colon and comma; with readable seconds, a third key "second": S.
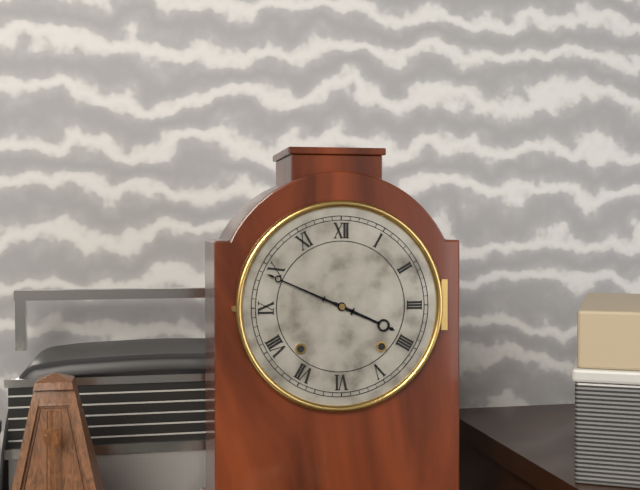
{"hour": 3, "minute": 49}
